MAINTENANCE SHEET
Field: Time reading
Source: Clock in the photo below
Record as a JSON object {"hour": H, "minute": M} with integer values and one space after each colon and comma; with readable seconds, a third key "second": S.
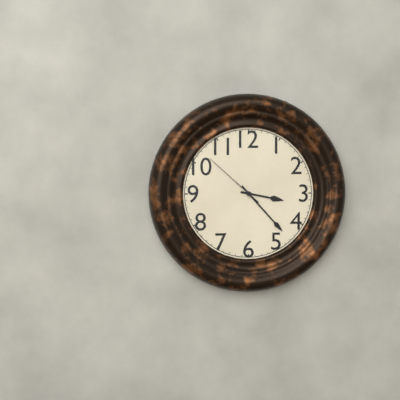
{"hour": 3, "minute": 23, "second": 52}
